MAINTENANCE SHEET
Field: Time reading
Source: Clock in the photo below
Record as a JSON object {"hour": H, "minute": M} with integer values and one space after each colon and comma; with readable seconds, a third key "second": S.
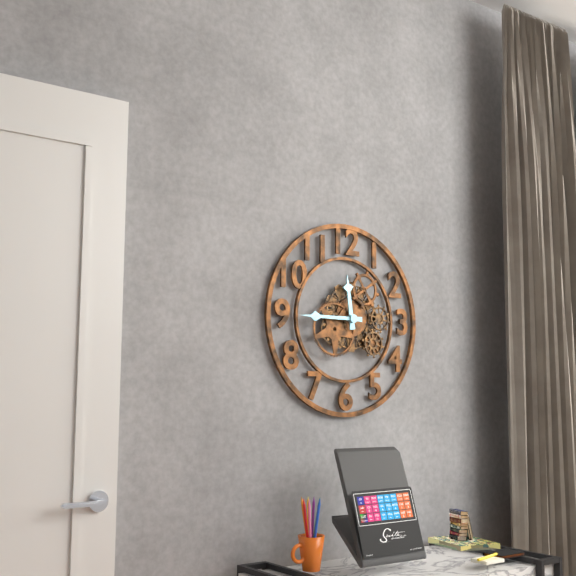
{"hour": 11, "minute": 45}
